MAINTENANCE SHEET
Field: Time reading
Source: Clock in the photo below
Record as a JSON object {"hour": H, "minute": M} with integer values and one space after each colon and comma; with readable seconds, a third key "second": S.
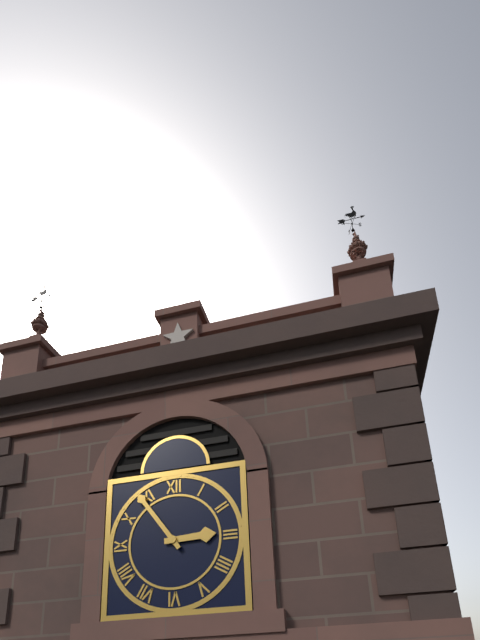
{"hour": 2, "minute": 54}
